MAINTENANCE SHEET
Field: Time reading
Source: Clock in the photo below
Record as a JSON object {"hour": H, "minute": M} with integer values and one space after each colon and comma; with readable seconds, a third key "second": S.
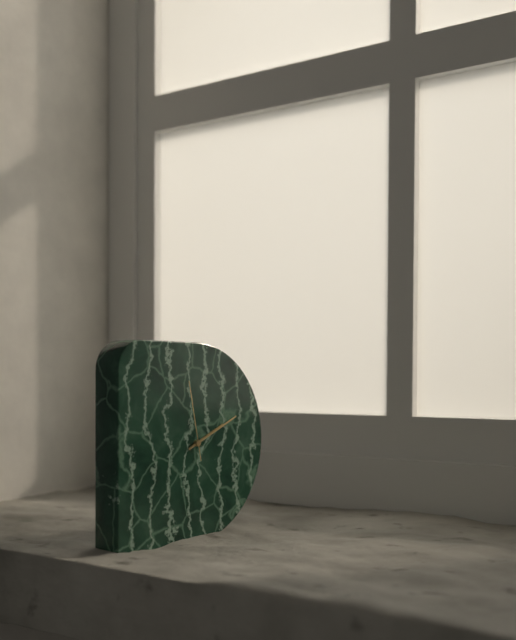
{"hour": 2, "minute": 11, "second": 58}
